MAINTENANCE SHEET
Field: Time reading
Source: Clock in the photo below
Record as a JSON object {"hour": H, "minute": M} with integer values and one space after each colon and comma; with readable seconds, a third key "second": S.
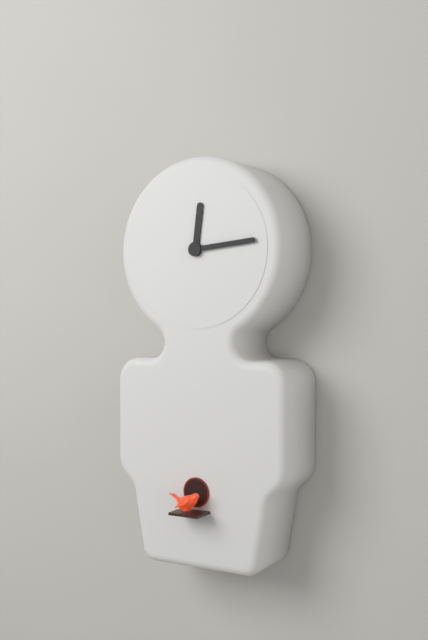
{"hour": 12, "minute": 14}
